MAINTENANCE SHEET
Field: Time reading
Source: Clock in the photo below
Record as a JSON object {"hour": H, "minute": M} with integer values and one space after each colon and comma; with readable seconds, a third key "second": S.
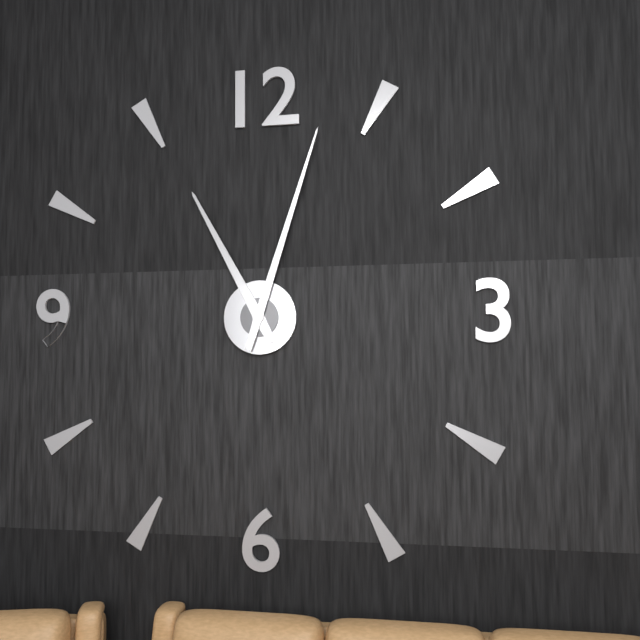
{"hour": 11, "minute": 3}
